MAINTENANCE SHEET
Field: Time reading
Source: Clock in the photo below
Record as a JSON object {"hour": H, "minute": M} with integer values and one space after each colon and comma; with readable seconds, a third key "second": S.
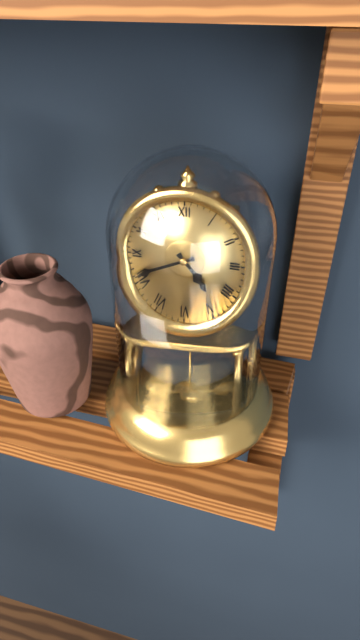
{"hour": 4, "minute": 41}
